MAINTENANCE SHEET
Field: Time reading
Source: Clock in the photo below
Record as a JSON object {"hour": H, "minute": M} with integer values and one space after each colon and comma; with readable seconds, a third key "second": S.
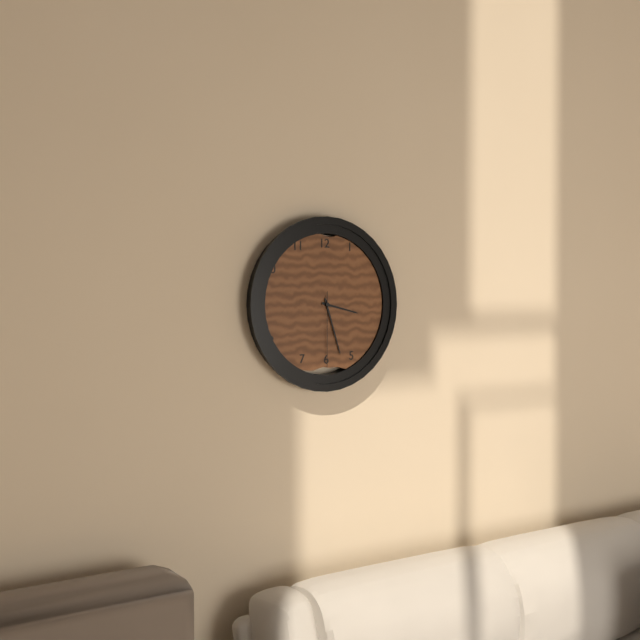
{"hour": 3, "minute": 27, "second": 30}
